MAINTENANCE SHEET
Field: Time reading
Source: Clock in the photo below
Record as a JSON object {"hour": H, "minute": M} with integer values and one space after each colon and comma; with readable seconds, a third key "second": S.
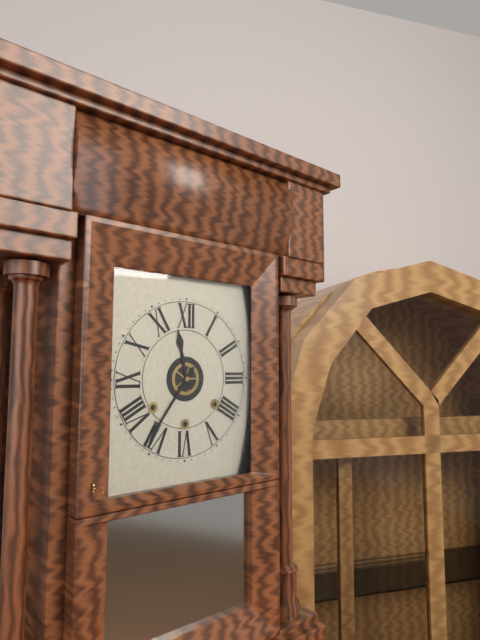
{"hour": 11, "minute": 36}
